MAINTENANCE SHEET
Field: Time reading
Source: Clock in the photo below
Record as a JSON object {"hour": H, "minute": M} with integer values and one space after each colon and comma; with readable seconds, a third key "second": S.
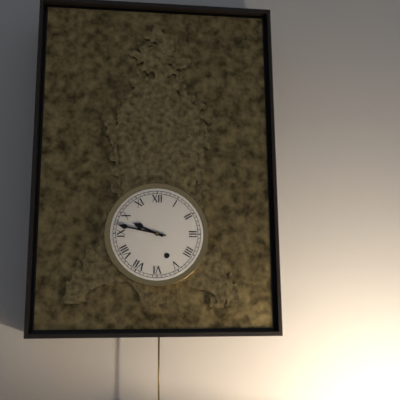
{"hour": 9, "minute": 47}
